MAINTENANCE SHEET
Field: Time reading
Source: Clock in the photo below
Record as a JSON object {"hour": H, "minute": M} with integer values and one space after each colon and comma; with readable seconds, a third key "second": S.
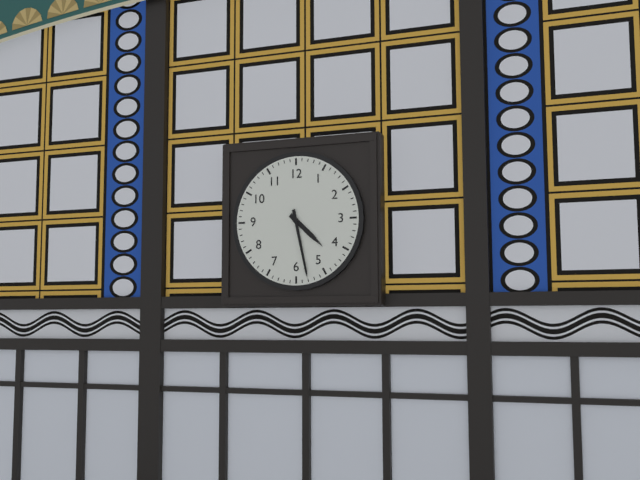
{"hour": 4, "minute": 28}
